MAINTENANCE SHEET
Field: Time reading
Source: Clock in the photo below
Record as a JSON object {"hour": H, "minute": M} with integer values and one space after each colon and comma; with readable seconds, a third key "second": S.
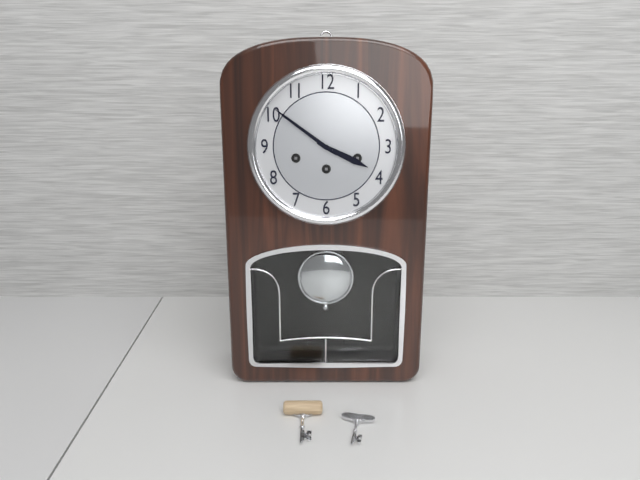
{"hour": 3, "minute": 51}
